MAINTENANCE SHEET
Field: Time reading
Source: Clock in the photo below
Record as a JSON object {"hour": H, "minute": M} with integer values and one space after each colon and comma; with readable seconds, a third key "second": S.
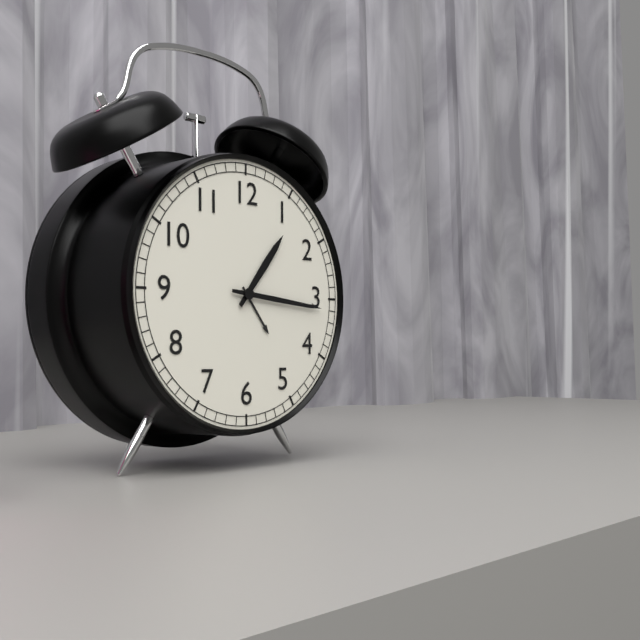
{"hour": 1, "minute": 16}
